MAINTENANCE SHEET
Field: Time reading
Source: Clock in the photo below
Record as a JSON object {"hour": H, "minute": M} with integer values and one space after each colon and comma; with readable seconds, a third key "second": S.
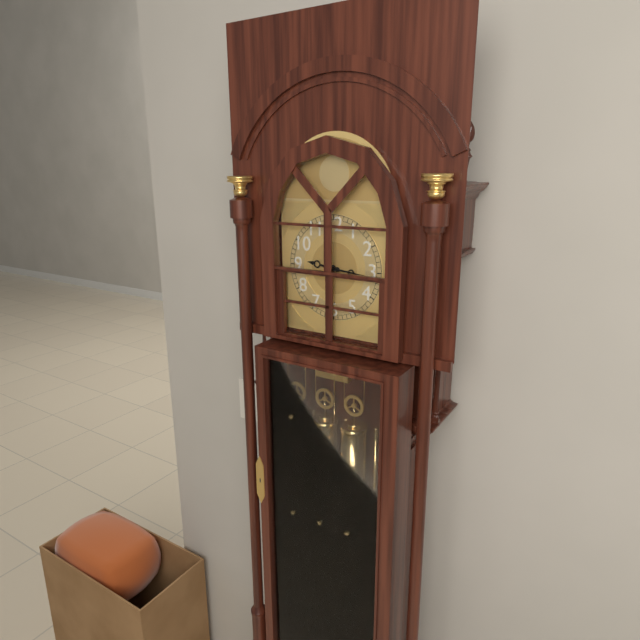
{"hour": 9, "minute": 16}
